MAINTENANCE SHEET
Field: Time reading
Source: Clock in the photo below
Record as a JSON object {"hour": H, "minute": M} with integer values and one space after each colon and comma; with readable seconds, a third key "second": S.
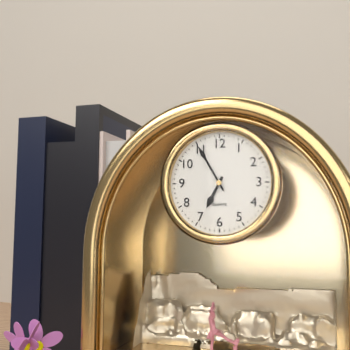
{"hour": 6, "minute": 55}
